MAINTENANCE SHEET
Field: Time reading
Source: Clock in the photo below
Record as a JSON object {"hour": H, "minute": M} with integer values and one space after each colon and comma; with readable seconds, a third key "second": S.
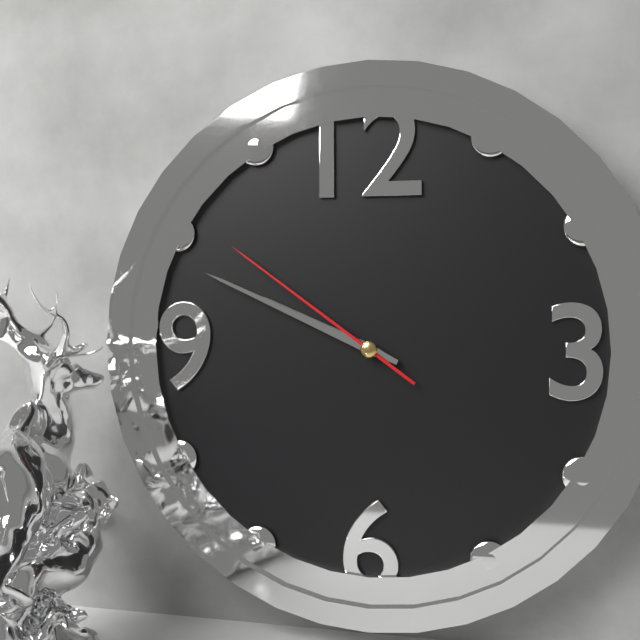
{"hour": 9, "minute": 49, "second": 51}
